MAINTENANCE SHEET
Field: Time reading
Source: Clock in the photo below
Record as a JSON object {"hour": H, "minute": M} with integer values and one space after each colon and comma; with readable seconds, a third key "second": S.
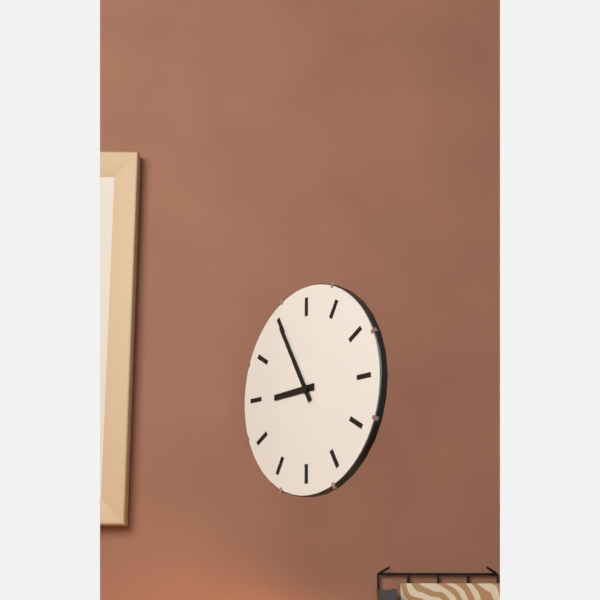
{"hour": 8, "minute": 55}
